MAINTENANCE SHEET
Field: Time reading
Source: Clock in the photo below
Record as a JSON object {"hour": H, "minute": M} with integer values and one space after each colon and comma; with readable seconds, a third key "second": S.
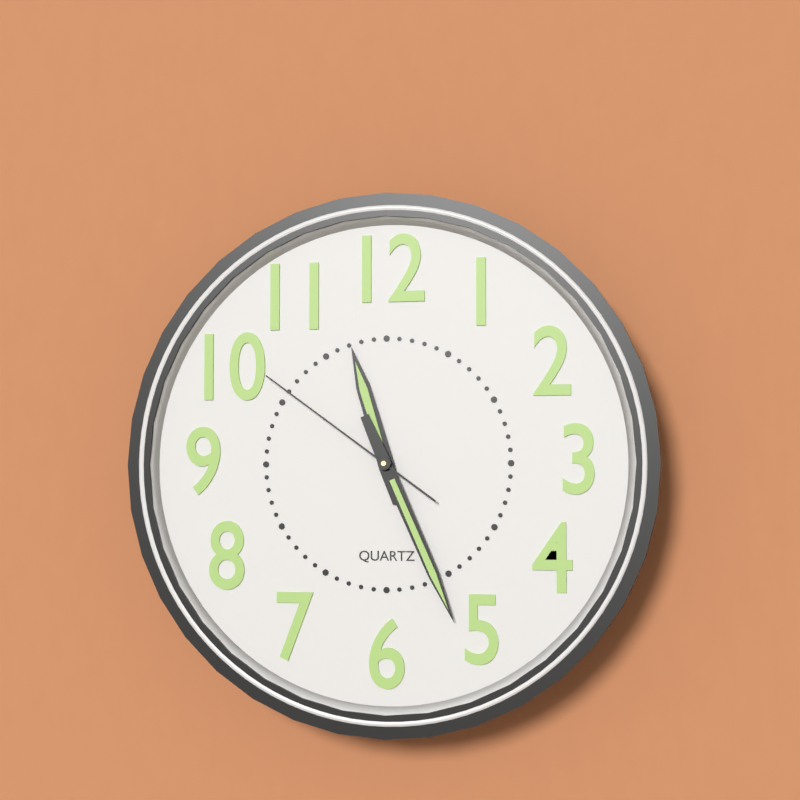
{"hour": 11, "minute": 26, "second": 51}
